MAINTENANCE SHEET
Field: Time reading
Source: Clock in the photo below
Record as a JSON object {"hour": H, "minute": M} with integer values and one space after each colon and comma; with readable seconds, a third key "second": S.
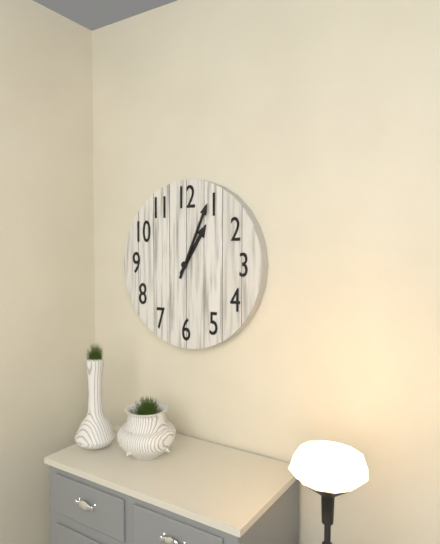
{"hour": 1, "minute": 4}
